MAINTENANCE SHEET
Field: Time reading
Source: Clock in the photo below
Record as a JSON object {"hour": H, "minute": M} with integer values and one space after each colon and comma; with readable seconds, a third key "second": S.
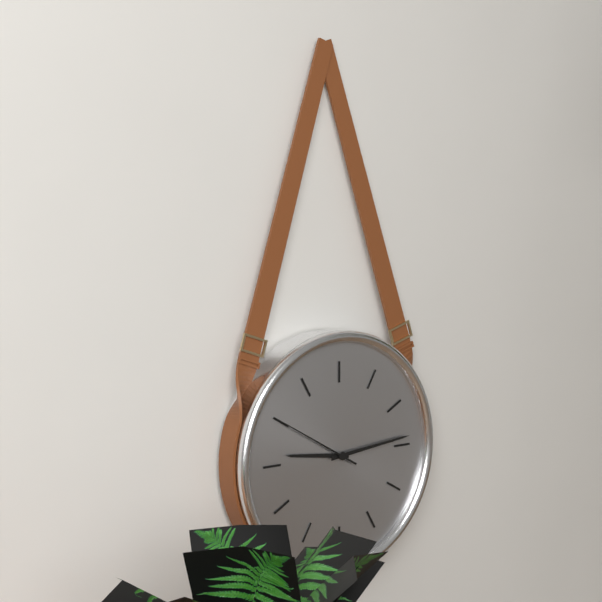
{"hour": 9, "minute": 14, "second": 50}
